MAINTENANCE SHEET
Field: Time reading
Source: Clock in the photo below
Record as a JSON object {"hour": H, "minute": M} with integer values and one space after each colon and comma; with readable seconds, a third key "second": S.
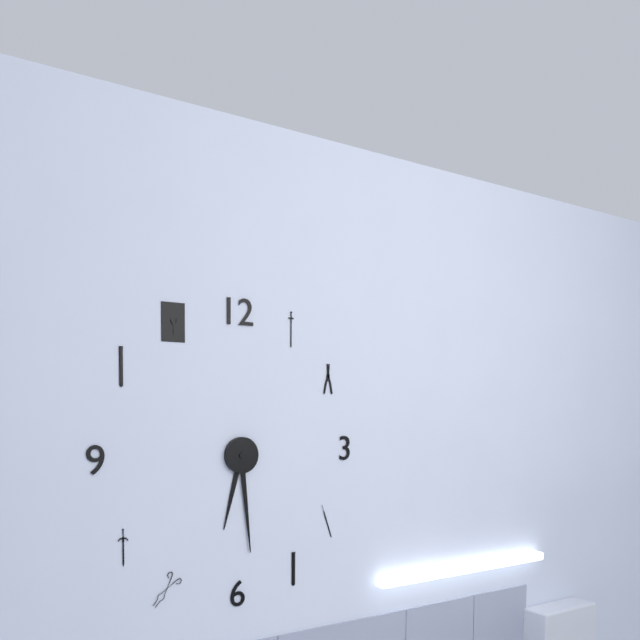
{"hour": 6, "minute": 29}
